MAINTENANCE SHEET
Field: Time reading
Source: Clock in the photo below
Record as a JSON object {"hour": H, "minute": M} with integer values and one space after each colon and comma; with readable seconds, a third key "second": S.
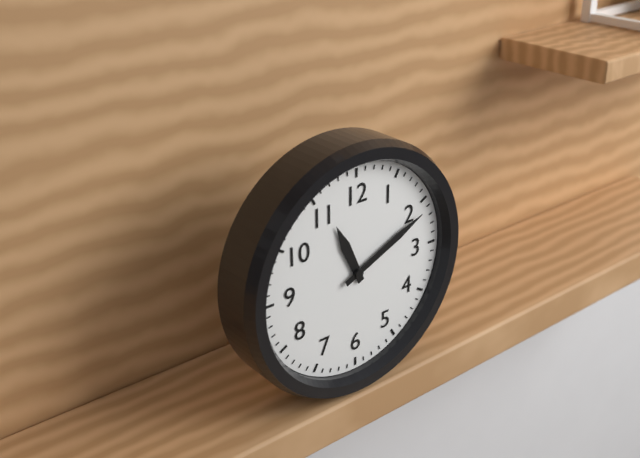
{"hour": 11, "minute": 11}
